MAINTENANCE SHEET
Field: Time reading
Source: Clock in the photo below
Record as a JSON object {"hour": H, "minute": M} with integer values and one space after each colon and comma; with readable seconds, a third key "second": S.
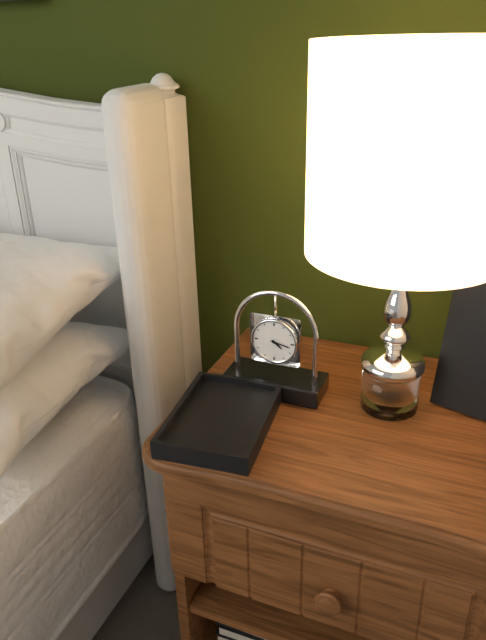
{"hour": 4, "minute": 17}
